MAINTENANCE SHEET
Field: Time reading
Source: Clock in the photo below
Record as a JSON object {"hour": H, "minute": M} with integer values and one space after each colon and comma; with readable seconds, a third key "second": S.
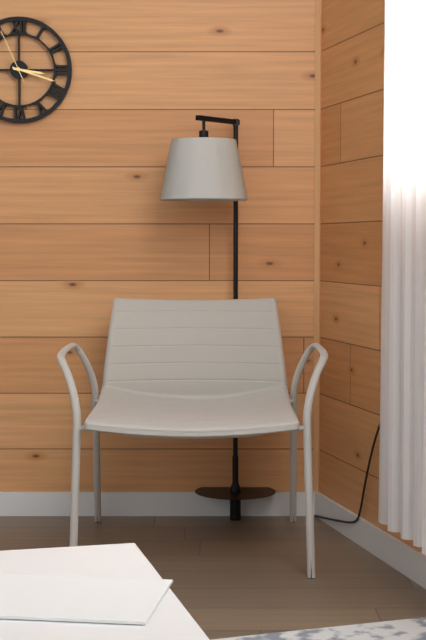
{"hour": 3, "minute": 18, "second": 56}
